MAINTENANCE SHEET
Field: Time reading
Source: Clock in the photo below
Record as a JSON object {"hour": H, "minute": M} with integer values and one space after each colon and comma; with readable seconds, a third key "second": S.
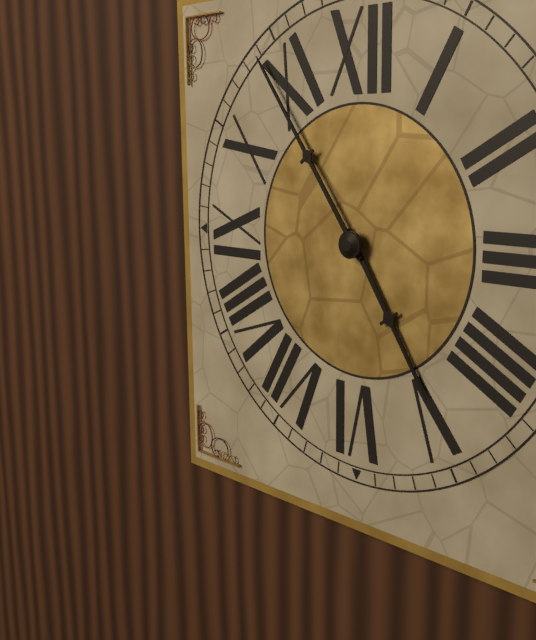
{"hour": 4, "minute": 54}
